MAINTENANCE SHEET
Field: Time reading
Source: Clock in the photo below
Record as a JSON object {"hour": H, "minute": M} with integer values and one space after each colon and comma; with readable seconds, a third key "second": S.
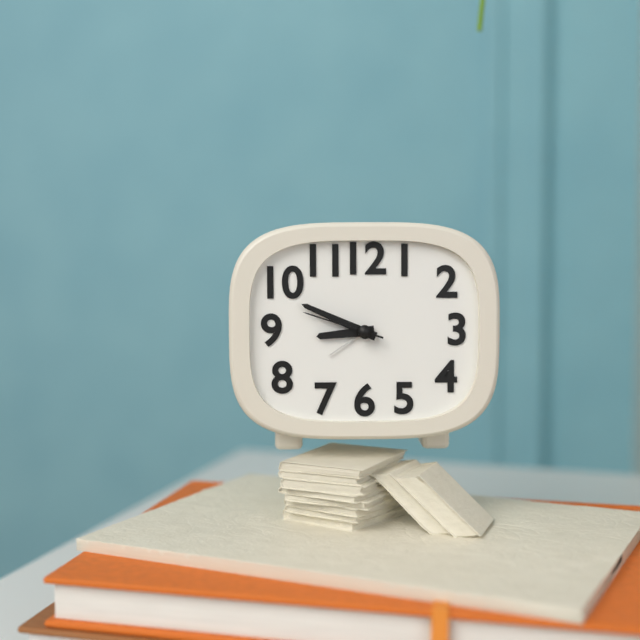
{"hour": 8, "minute": 49, "second": 48}
